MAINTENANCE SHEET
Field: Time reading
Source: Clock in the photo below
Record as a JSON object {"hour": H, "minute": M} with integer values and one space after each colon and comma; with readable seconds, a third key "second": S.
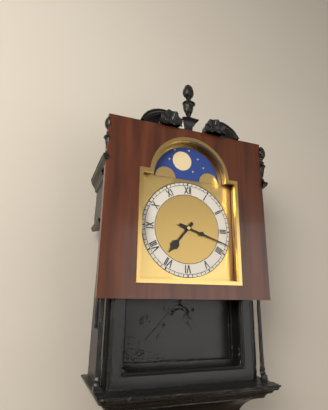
{"hour": 7, "minute": 18}
